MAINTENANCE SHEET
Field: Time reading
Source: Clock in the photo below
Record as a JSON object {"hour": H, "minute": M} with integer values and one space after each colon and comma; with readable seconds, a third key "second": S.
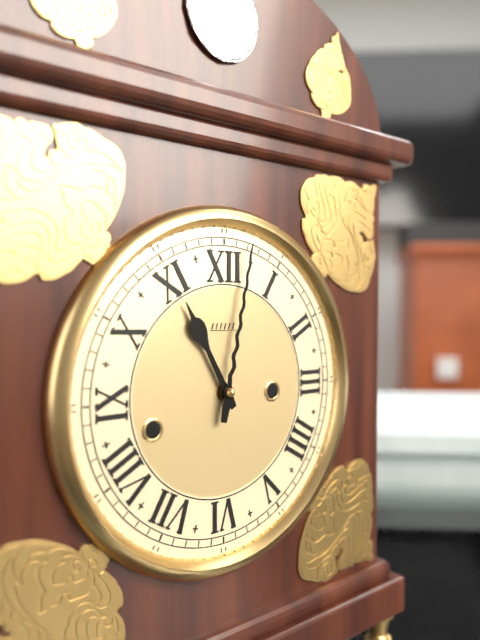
{"hour": 11, "minute": 2}
